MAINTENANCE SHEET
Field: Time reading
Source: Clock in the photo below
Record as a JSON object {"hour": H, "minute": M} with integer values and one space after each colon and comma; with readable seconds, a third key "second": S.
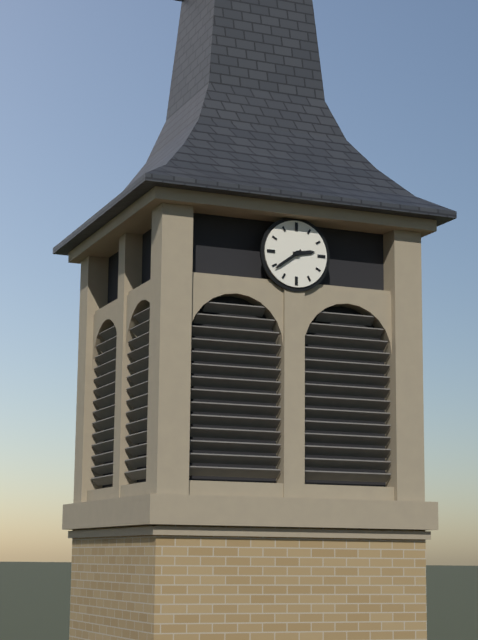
{"hour": 2, "minute": 39}
